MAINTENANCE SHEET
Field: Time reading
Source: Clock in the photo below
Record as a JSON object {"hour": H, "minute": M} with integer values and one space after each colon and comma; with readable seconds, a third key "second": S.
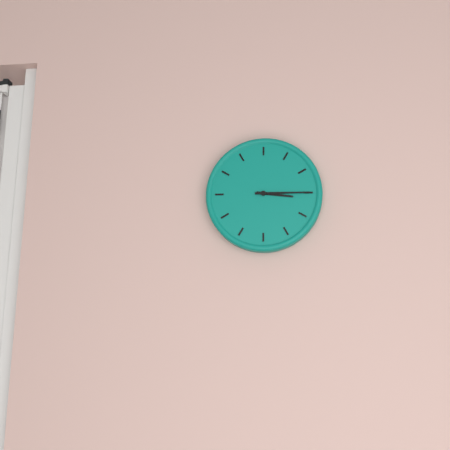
{"hour": 3, "minute": 15}
